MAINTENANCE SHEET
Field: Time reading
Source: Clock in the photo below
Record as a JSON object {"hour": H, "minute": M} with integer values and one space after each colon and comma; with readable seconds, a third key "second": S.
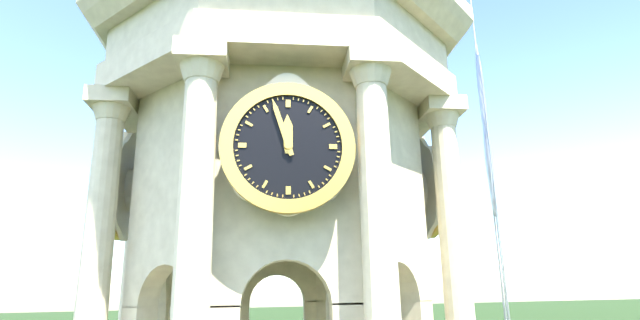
{"hour": 11, "minute": 57}
